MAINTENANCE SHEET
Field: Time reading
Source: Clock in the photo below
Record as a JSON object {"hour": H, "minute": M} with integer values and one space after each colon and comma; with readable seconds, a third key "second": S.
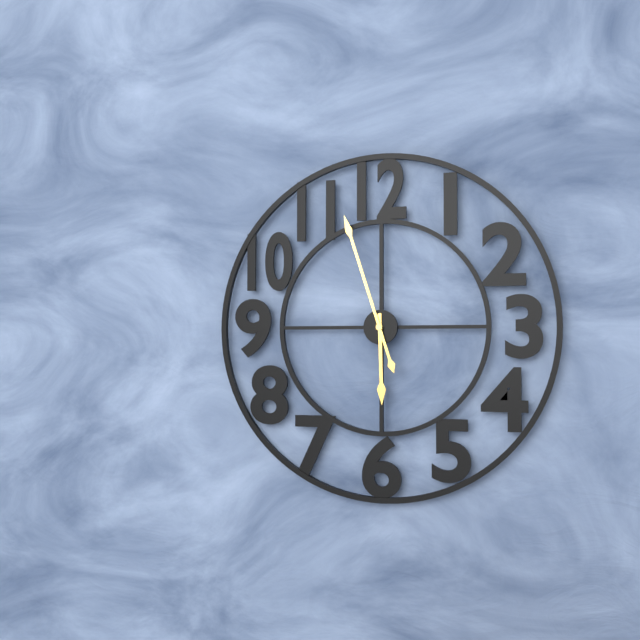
{"hour": 5, "minute": 57}
